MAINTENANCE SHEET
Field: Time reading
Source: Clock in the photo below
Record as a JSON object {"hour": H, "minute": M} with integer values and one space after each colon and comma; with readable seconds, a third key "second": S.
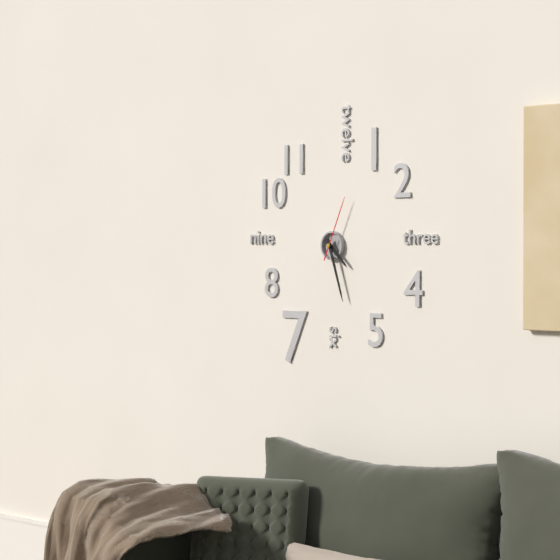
{"hour": 4, "minute": 27, "second": 4}
